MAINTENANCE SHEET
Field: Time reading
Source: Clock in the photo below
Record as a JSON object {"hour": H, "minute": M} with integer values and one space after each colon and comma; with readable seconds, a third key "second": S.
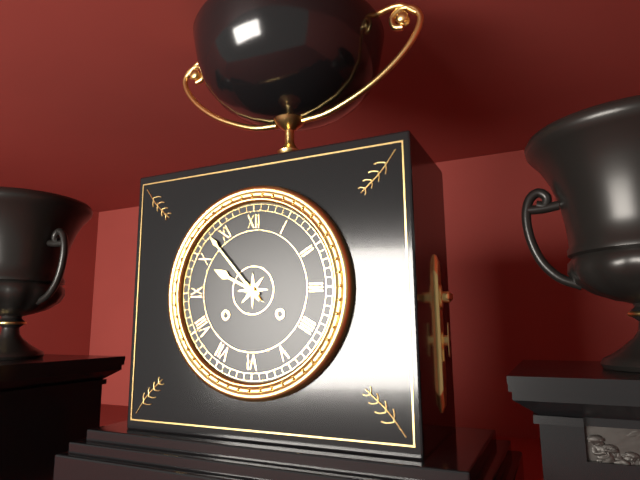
{"hour": 9, "minute": 53}
